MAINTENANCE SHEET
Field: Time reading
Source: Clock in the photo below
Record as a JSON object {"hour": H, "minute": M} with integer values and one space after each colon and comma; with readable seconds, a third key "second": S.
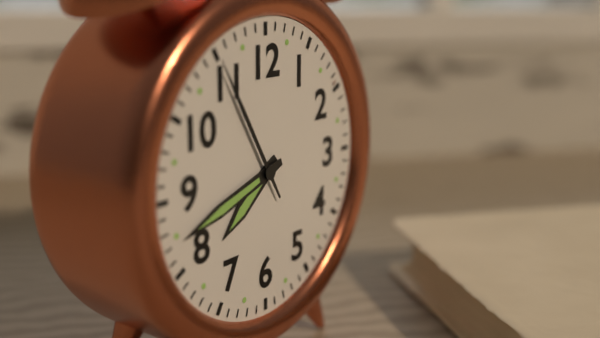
{"hour": 7, "minute": 42, "second": 55}
